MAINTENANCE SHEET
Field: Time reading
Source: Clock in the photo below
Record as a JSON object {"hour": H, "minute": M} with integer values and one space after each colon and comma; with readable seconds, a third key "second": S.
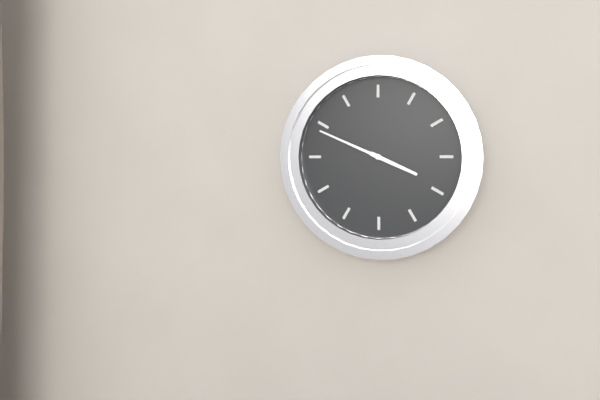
{"hour": 3, "minute": 49}
